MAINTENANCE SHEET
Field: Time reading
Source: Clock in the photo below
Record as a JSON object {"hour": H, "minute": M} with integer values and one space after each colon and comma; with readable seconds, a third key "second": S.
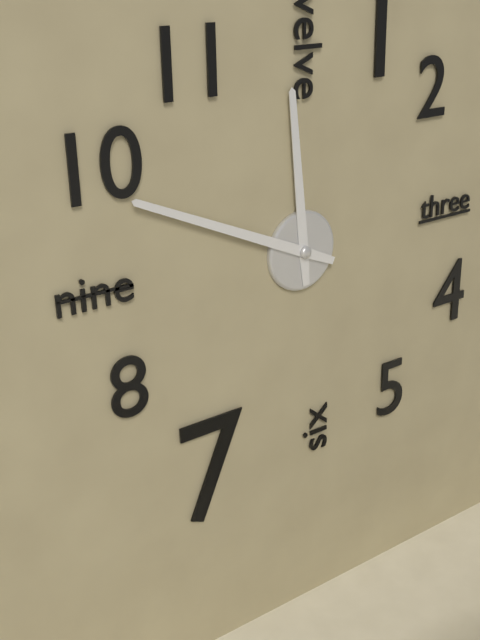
{"hour": 11, "minute": 49}
